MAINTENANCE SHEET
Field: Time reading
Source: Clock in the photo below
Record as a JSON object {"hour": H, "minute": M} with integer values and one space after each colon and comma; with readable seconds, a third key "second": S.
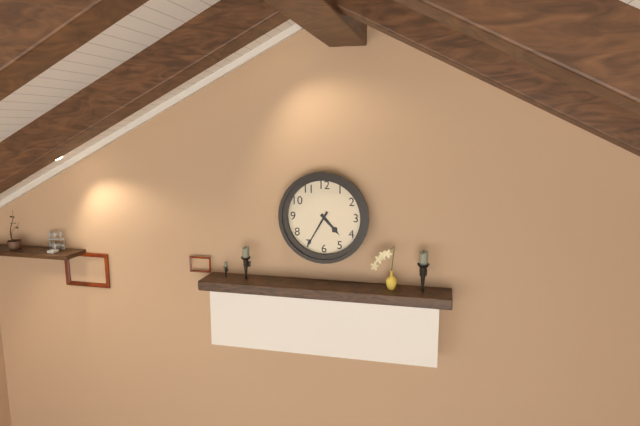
{"hour": 4, "minute": 35}
